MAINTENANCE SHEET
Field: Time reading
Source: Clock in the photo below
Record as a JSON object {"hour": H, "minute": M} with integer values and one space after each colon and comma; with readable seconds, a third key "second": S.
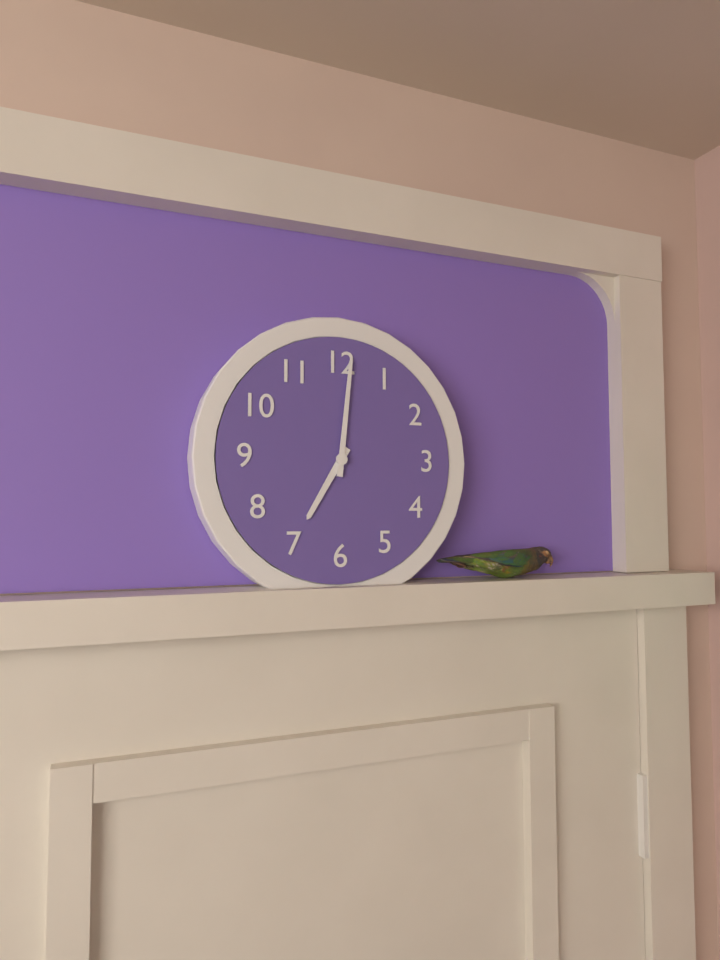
{"hour": 7, "minute": 1}
